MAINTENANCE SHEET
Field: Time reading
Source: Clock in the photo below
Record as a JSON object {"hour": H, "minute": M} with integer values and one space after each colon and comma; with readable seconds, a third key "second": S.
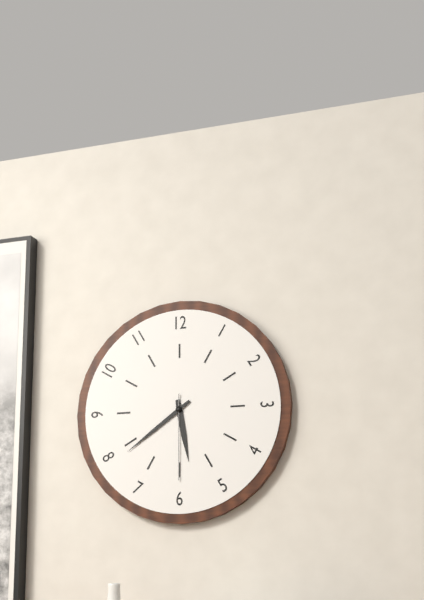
{"hour": 5, "minute": 39, "second": 30}
